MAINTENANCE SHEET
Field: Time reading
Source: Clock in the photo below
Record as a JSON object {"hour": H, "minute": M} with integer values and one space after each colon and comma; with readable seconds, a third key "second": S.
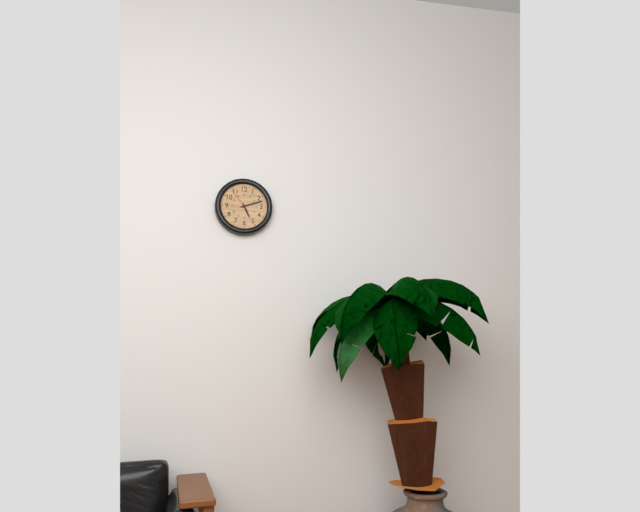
{"hour": 5, "minute": 12}
